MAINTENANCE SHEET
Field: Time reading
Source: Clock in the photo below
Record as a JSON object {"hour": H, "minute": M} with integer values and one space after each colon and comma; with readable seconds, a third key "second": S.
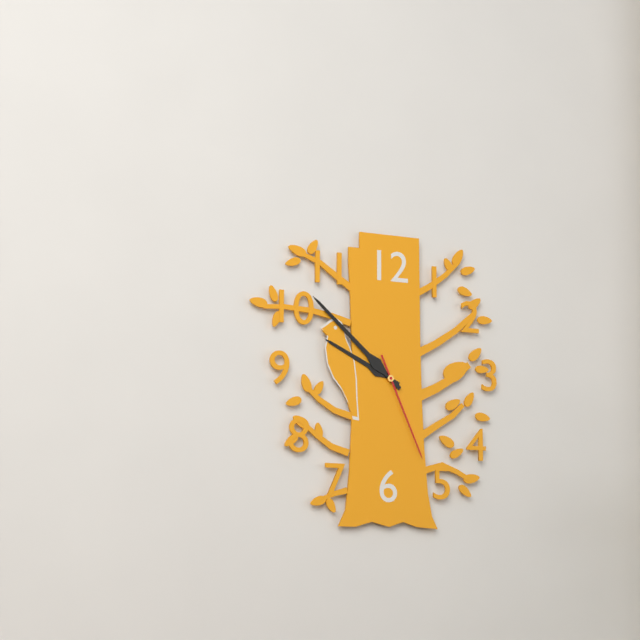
{"hour": 9, "minute": 52, "second": 26}
